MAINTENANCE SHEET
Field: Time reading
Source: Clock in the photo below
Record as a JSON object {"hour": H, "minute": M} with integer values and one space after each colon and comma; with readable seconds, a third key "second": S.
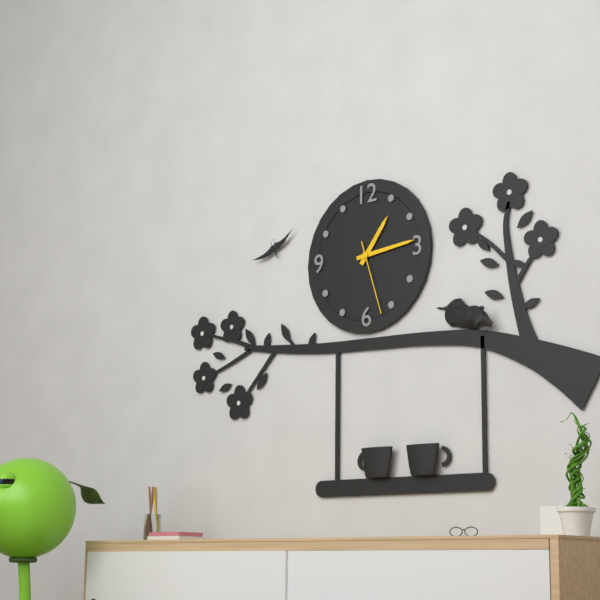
{"hour": 1, "minute": 14, "second": 27}
